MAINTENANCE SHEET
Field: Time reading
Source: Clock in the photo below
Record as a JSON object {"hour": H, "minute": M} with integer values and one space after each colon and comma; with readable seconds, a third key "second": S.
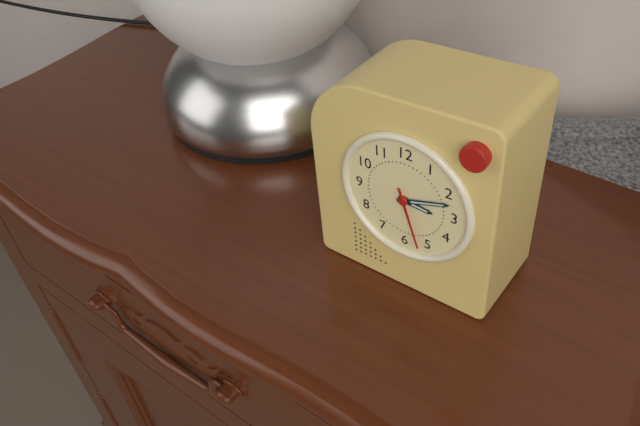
{"hour": 3, "minute": 12, "second": 27}
